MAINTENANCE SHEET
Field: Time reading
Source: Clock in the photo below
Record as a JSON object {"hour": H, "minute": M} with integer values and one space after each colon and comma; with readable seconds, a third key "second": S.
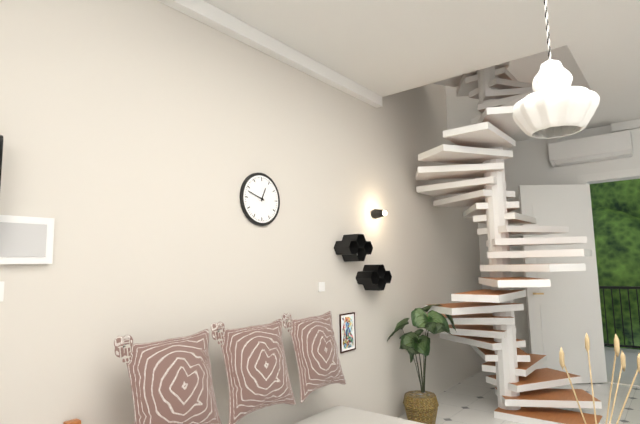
{"hour": 12, "minute": 48}
